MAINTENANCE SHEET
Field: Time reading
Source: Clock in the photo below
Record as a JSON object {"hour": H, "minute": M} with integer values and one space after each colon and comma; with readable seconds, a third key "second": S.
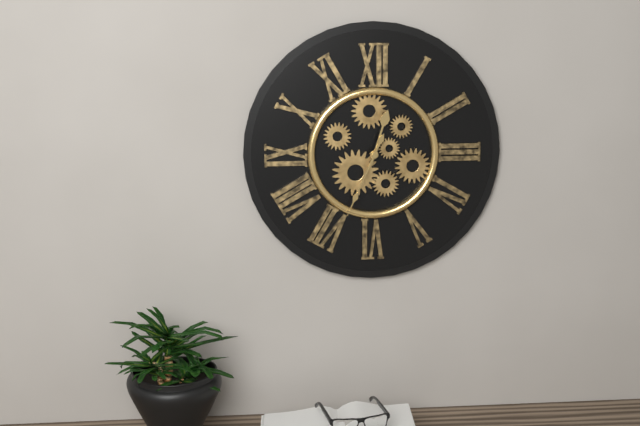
{"hour": 12, "minute": 34}
